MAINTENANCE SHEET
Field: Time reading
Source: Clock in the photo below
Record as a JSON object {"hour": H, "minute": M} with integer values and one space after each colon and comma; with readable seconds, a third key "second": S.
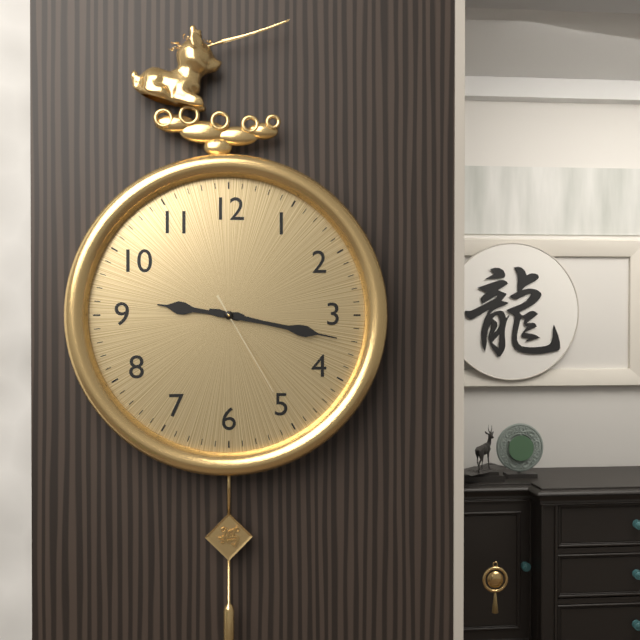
{"hour": 9, "minute": 17, "second": 25}
